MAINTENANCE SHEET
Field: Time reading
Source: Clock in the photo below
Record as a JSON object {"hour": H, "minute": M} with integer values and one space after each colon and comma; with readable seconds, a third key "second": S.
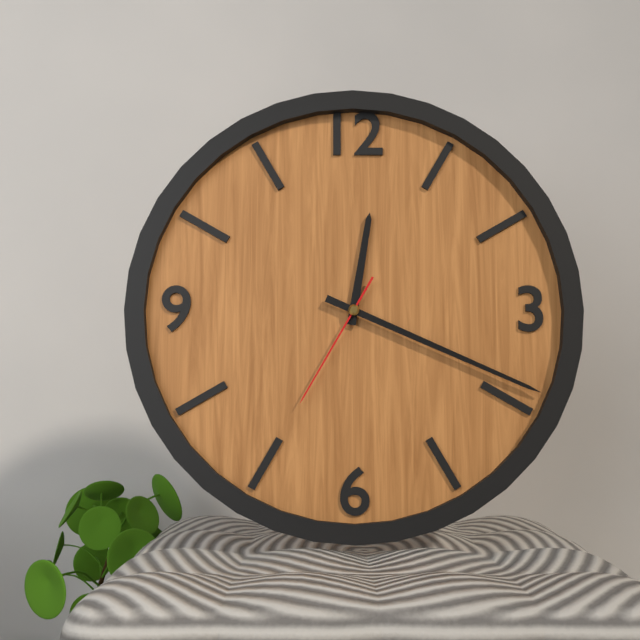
{"hour": 12, "minute": 19, "second": 35}
